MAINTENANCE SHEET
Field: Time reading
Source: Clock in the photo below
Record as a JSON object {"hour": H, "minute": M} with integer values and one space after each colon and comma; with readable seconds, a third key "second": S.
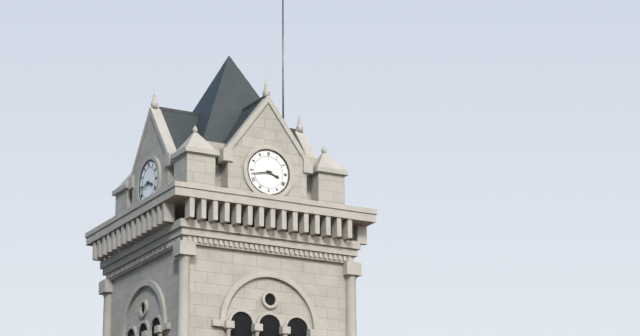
{"hour": 3, "minute": 43}
